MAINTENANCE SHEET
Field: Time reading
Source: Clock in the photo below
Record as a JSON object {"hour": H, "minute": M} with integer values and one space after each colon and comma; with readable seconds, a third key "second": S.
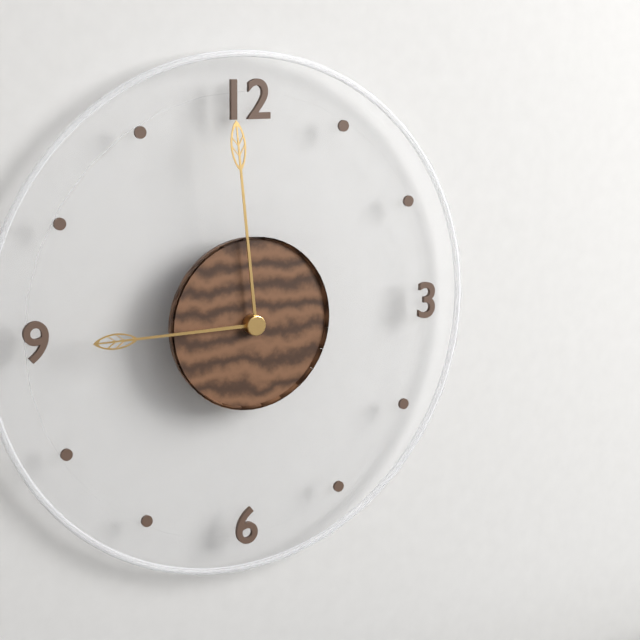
{"hour": 8, "minute": 59}
